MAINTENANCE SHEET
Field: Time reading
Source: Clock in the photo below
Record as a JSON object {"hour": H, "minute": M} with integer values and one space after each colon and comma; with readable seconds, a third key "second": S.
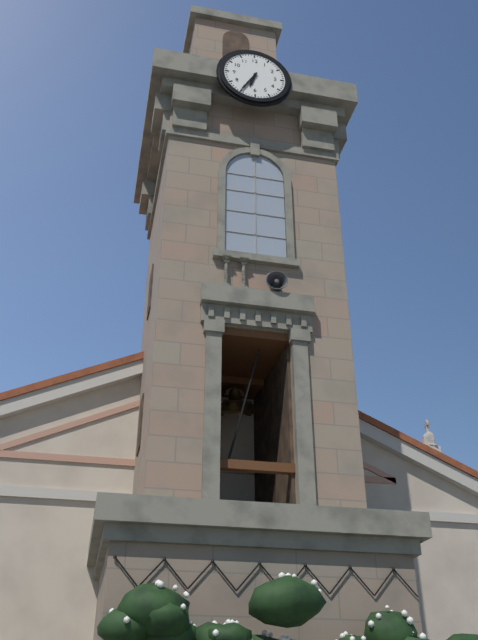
{"hour": 6, "minute": 35}
